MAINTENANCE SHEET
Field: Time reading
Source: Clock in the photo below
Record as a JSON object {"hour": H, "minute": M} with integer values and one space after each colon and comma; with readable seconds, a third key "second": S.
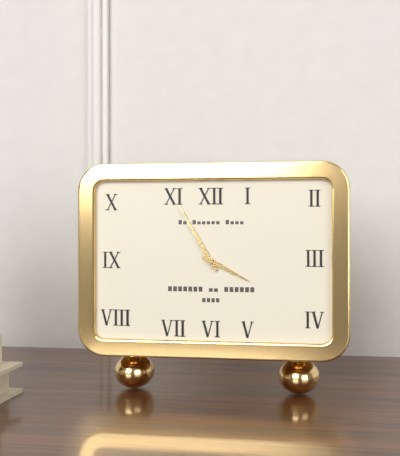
{"hour": 3, "minute": 55}
